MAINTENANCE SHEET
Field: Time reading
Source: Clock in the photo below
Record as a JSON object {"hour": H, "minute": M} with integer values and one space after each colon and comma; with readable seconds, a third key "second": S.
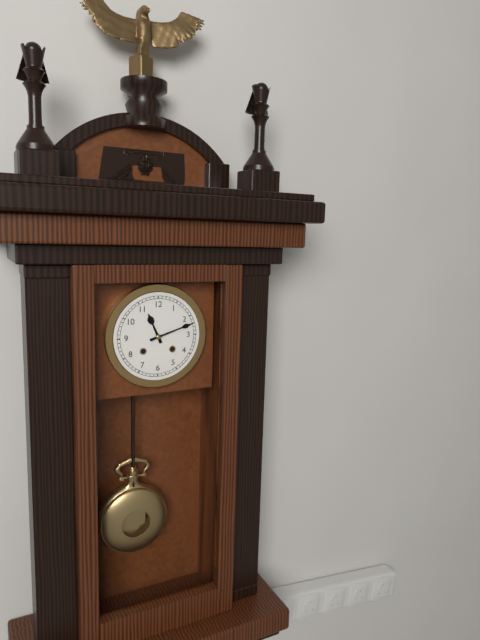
{"hour": 11, "minute": 12}
